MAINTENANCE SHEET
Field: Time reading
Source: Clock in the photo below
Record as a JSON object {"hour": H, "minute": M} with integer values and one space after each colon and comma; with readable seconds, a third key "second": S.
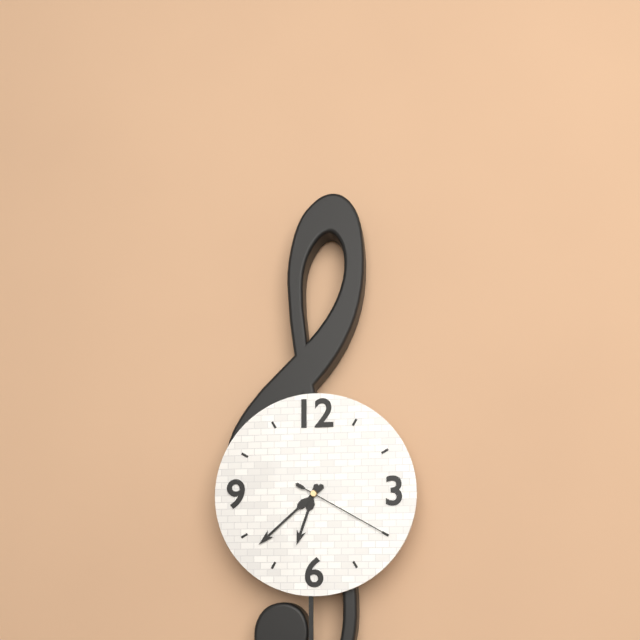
{"hour": 6, "minute": 38, "second": 20}
